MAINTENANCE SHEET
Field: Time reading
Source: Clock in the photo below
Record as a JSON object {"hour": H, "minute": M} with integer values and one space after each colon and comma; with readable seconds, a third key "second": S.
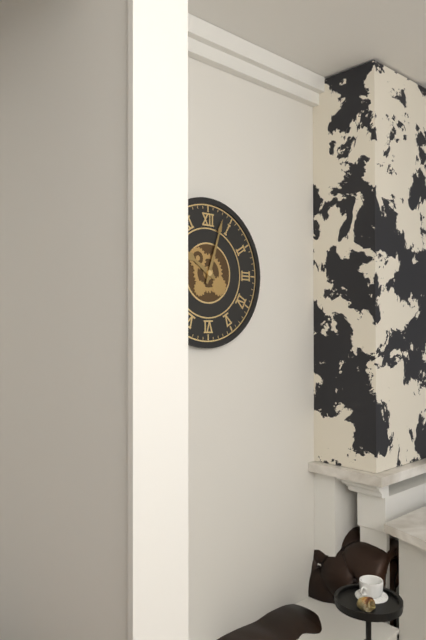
{"hour": 10, "minute": 3}
